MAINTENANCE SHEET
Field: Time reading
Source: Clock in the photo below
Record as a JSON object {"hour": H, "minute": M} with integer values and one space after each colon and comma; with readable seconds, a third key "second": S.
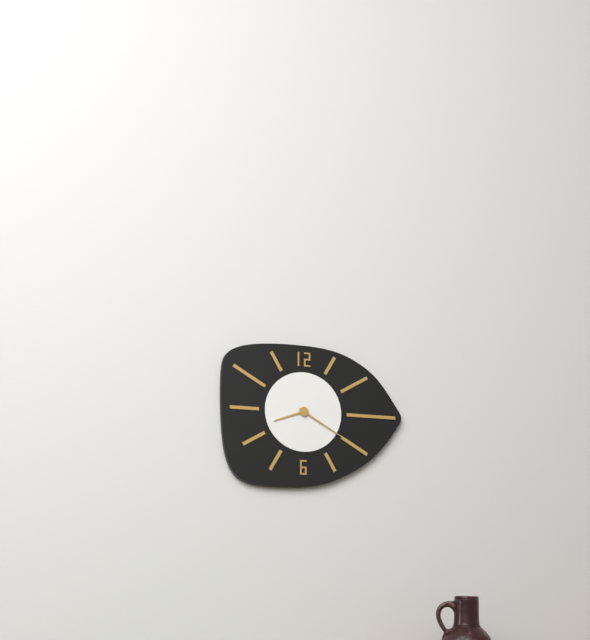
{"hour": 8, "minute": 20}
